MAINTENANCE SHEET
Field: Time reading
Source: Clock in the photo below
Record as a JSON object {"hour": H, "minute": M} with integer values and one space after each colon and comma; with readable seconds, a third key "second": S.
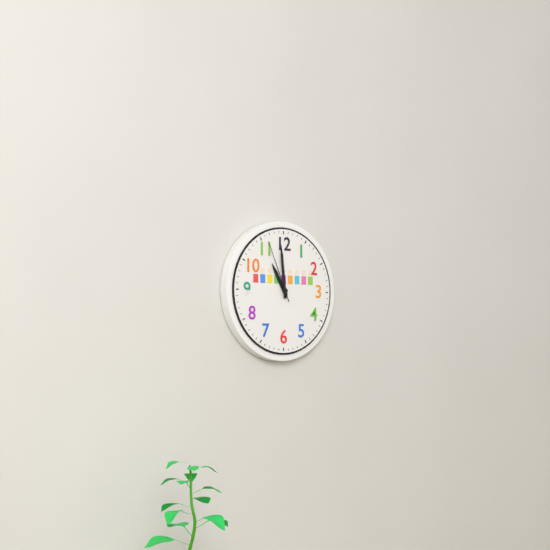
{"hour": 10, "minute": 59, "second": 56}
